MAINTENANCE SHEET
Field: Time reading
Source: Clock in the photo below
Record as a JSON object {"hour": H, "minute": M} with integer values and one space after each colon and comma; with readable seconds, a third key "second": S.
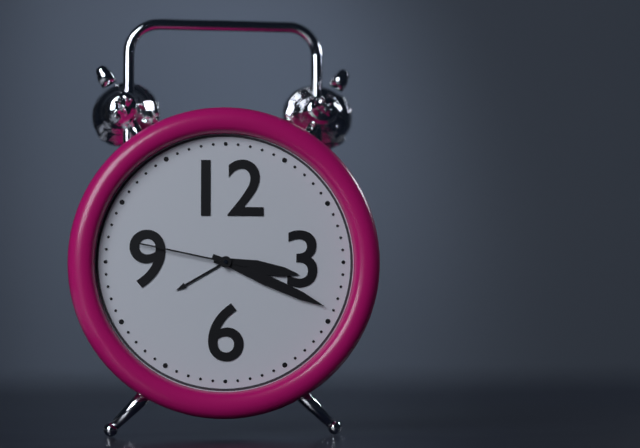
{"hour": 3, "minute": 19, "second": 47}
